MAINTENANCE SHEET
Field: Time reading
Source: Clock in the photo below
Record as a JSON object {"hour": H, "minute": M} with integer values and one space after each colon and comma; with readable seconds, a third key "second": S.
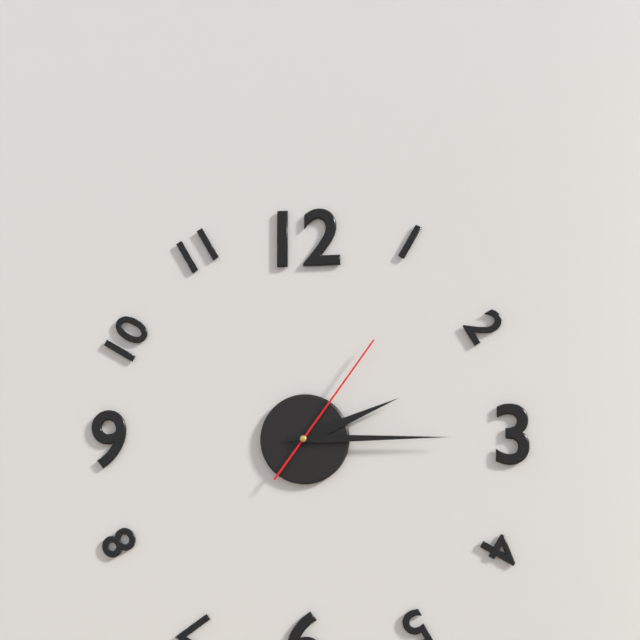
{"hour": 2, "minute": 15, "second": 6}
